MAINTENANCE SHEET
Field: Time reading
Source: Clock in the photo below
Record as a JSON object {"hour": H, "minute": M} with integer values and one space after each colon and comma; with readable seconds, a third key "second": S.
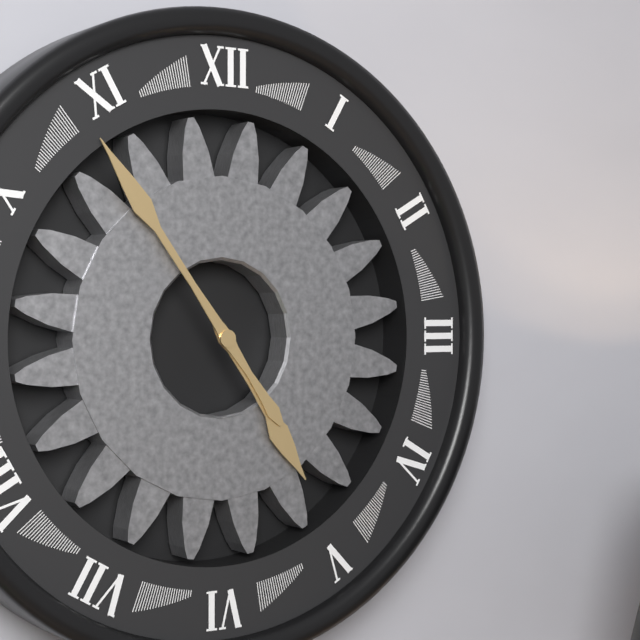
{"hour": 4, "minute": 54}
